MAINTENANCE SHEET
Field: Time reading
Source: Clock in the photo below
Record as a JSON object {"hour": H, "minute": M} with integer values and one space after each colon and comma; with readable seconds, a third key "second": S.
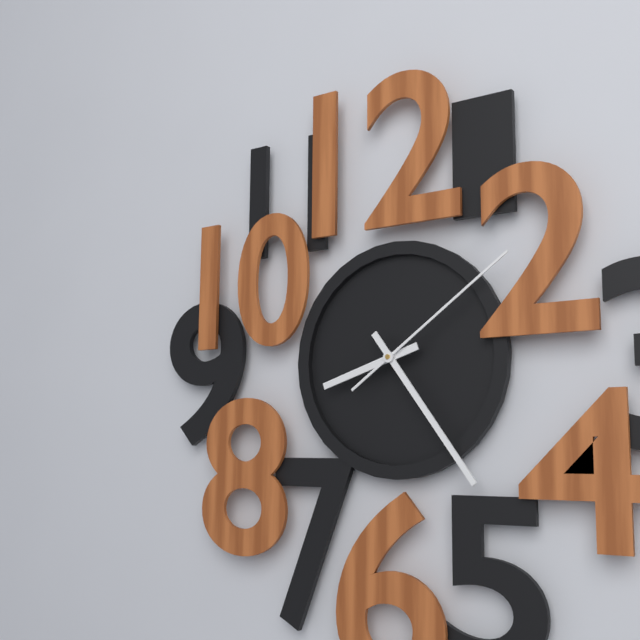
{"hour": 8, "minute": 24, "second": 9}
